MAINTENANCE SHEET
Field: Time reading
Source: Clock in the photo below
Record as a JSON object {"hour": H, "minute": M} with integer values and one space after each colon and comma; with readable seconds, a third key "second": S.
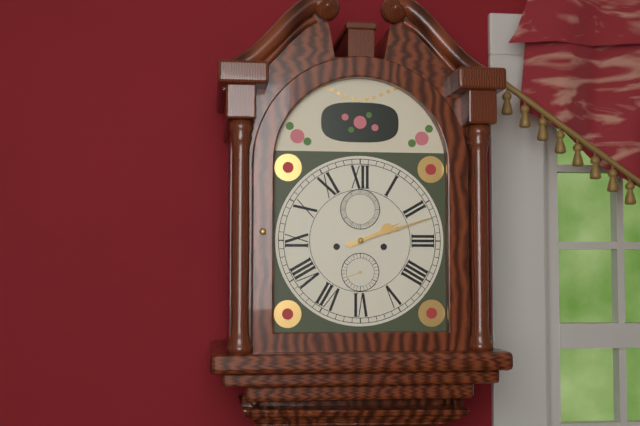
{"hour": 2, "minute": 12}
